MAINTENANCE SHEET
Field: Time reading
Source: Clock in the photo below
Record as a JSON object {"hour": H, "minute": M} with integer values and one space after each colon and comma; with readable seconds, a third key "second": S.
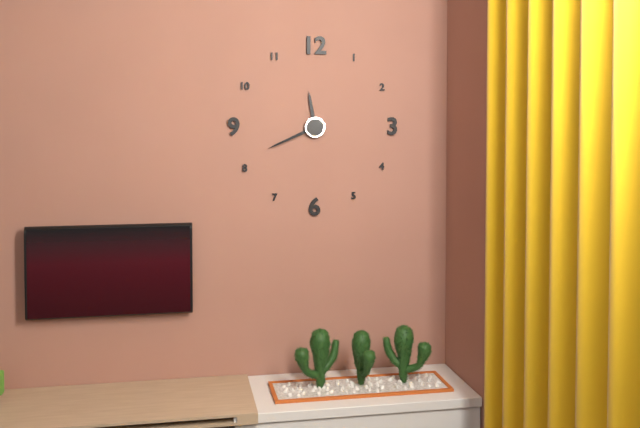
{"hour": 11, "minute": 41}
